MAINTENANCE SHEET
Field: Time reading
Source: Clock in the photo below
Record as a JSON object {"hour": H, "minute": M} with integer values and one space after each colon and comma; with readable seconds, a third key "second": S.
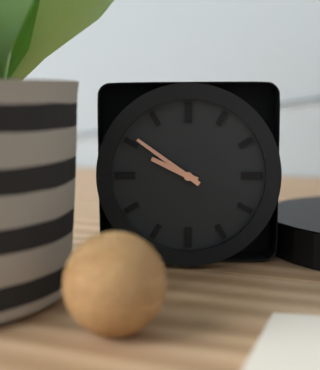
{"hour": 9, "minute": 51}
